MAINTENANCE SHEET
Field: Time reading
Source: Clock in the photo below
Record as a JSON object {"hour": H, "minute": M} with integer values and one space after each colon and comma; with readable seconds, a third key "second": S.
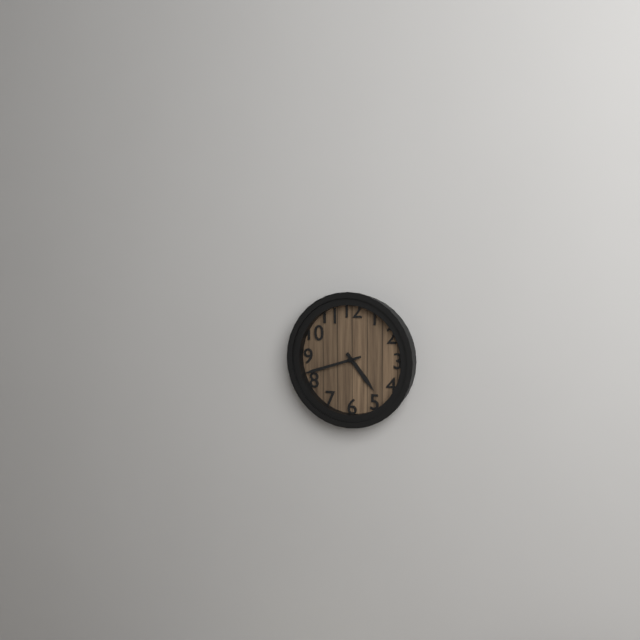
{"hour": 4, "minute": 42}
